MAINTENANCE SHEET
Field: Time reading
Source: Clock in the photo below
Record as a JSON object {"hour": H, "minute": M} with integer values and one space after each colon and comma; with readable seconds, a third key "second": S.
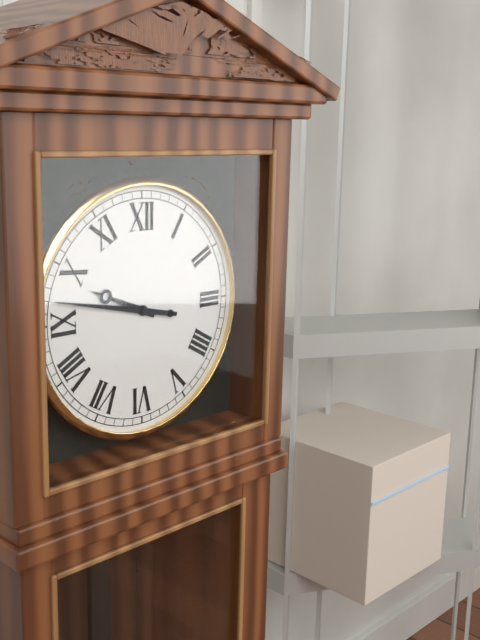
{"hour": 9, "minute": 47}
